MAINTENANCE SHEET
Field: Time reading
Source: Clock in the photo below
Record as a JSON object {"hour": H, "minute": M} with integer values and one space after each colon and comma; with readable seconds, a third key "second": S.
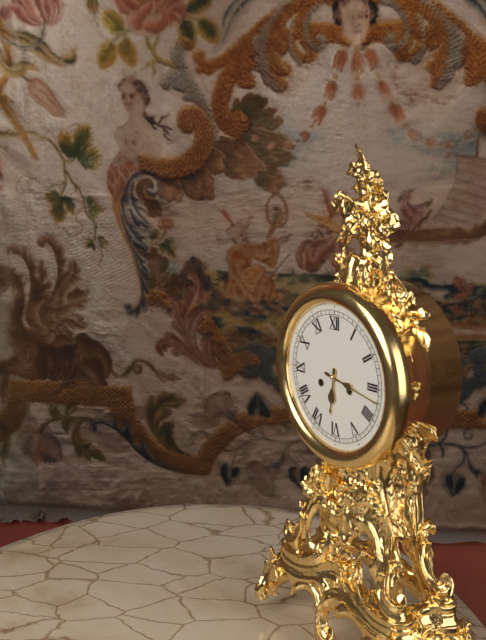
{"hour": 6, "minute": 17}
